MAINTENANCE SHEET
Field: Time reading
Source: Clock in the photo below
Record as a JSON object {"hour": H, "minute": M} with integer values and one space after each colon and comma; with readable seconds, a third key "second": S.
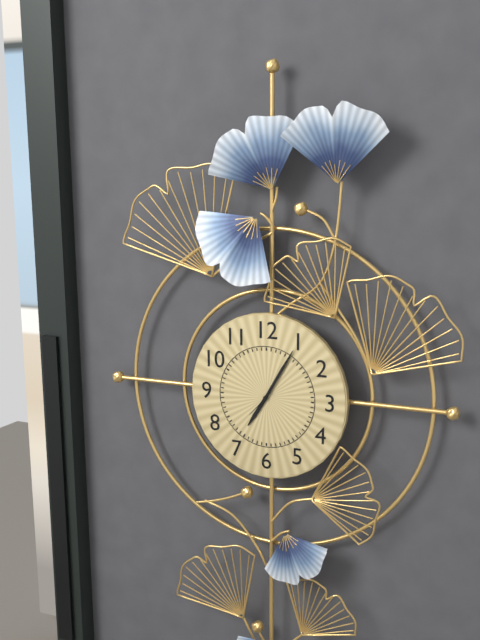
{"hour": 7, "minute": 5}
